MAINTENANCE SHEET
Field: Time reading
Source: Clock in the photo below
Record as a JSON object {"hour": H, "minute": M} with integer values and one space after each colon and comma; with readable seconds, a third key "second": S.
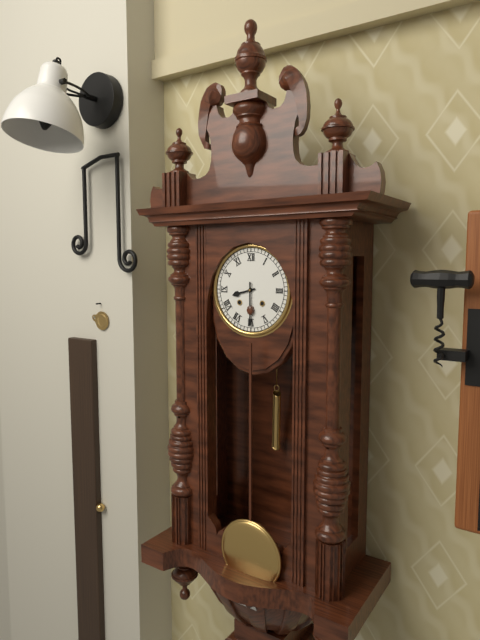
{"hour": 8, "minute": 30}
